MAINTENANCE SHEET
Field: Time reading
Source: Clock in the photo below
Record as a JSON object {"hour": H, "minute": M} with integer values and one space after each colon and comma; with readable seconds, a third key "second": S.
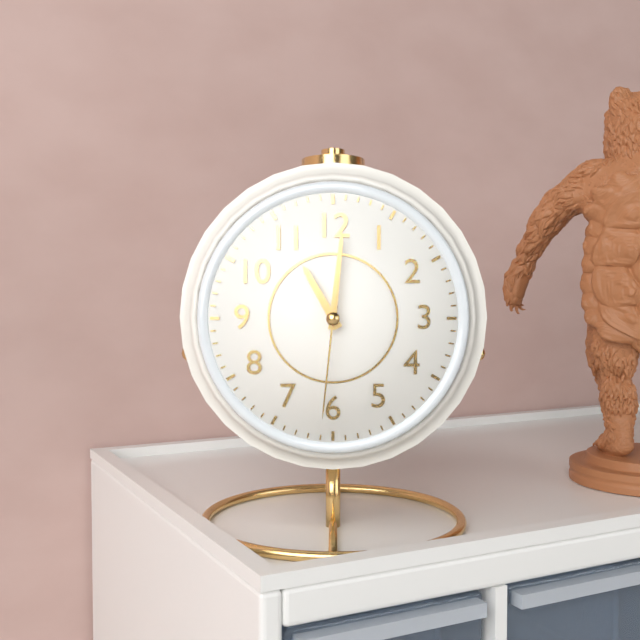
{"hour": 11, "minute": 1, "second": 31}
